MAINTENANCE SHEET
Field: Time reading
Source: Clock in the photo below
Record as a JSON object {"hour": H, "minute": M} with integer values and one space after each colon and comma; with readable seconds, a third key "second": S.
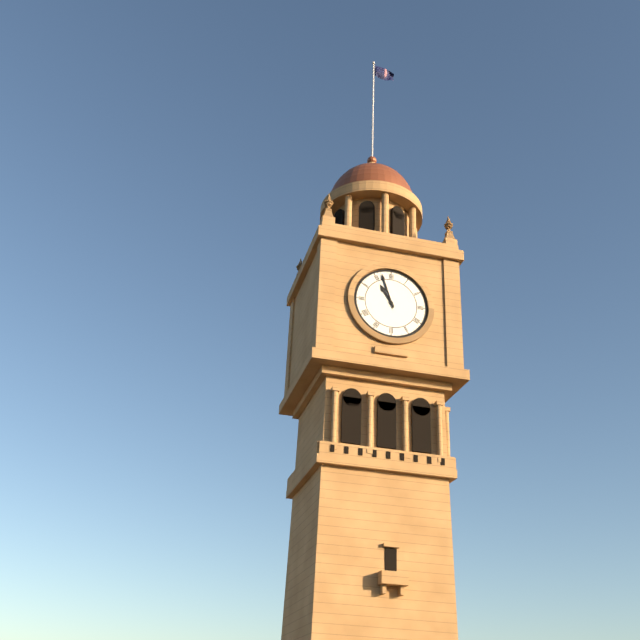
{"hour": 10, "minute": 57}
